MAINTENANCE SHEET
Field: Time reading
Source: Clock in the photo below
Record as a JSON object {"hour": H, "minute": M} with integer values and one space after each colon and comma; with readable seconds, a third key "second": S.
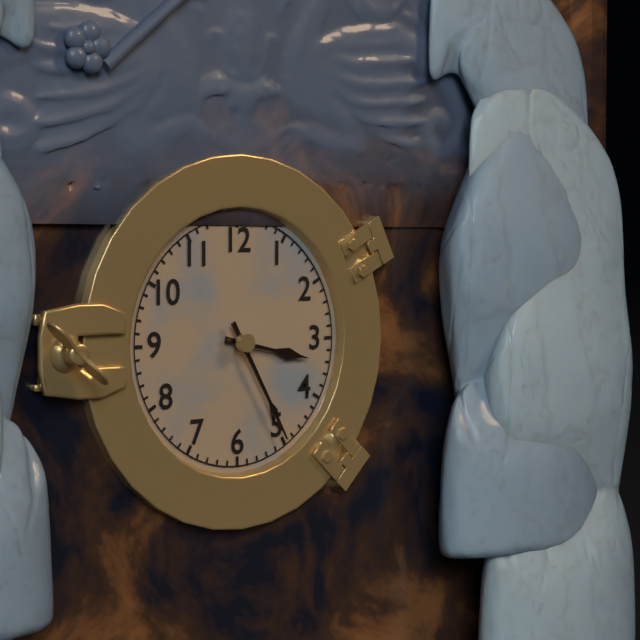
{"hour": 3, "minute": 25}
